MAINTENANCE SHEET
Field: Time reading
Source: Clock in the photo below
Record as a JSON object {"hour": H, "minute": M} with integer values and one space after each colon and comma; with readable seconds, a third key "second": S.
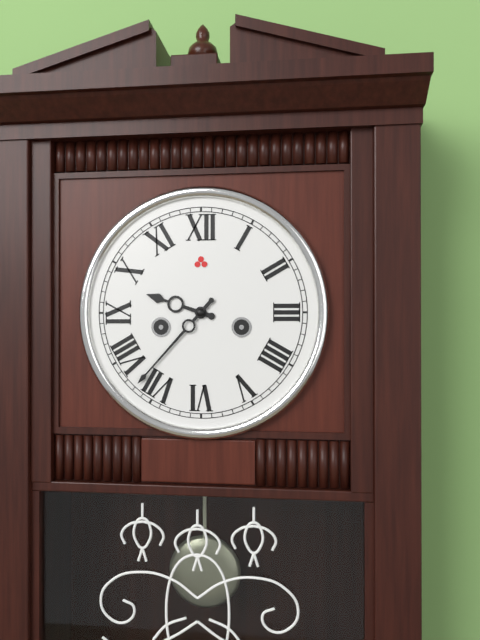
{"hour": 9, "minute": 37}
